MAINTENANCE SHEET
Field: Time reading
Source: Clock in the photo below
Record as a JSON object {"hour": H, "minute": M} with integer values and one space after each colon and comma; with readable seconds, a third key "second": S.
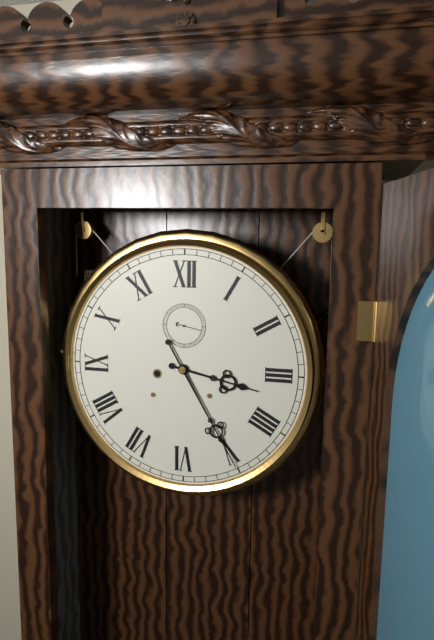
{"hour": 3, "minute": 25}
